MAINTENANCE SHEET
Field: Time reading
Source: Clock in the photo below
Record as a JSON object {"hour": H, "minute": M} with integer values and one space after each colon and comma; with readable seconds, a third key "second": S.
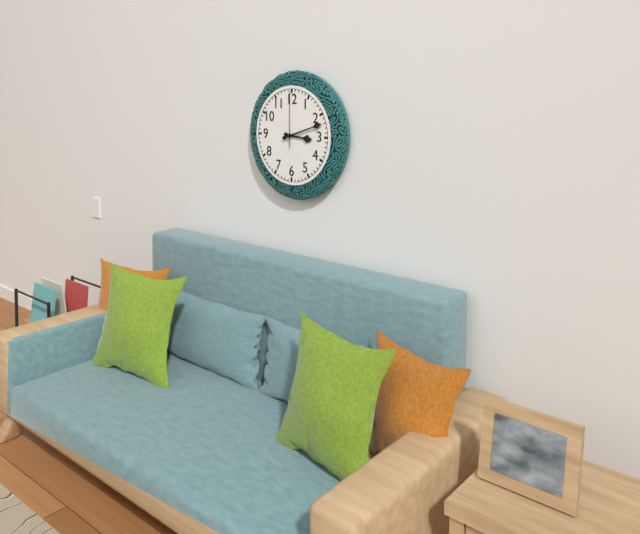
{"hour": 3, "minute": 12, "second": 0}
